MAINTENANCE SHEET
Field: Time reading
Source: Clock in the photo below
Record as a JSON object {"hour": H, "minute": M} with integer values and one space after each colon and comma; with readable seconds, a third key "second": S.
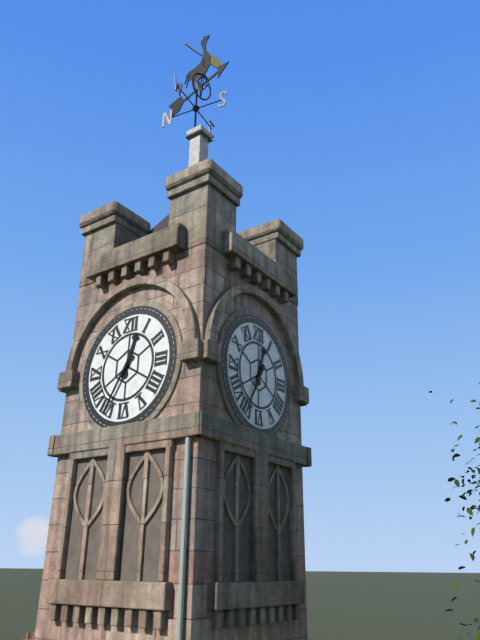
{"hour": 12, "minute": 35}
